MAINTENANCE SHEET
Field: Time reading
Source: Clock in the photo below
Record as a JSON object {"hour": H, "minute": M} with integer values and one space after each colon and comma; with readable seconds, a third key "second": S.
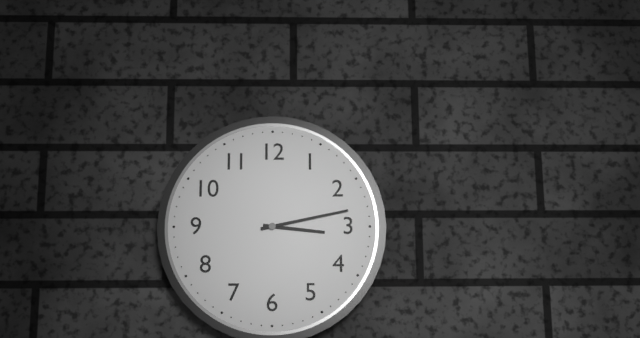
{"hour": 3, "minute": 13}
